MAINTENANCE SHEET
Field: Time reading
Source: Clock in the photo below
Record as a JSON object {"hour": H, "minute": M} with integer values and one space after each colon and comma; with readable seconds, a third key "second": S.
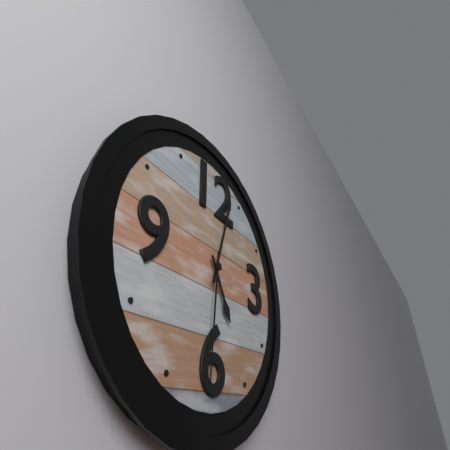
{"hour": 5, "minute": 3, "second": 31}
